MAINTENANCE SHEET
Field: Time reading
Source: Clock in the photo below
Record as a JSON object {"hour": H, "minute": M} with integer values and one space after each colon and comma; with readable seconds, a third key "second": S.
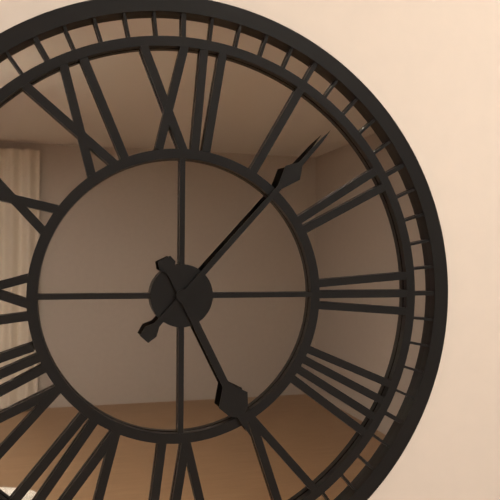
{"hour": 5, "minute": 7}
